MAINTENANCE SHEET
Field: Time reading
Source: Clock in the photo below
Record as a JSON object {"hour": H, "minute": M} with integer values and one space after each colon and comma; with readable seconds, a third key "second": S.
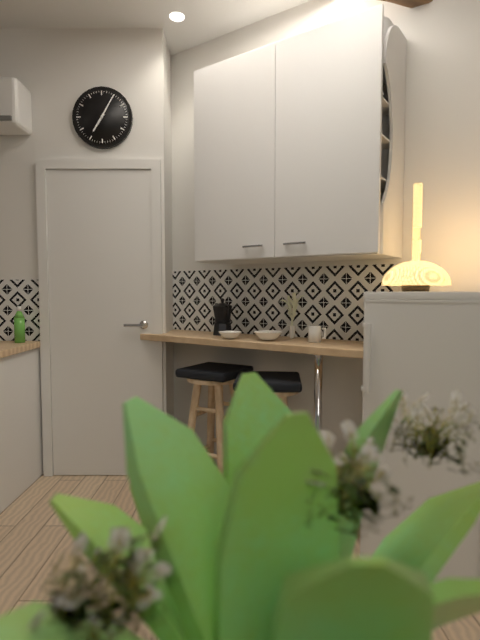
{"hour": 7, "minute": 5}
